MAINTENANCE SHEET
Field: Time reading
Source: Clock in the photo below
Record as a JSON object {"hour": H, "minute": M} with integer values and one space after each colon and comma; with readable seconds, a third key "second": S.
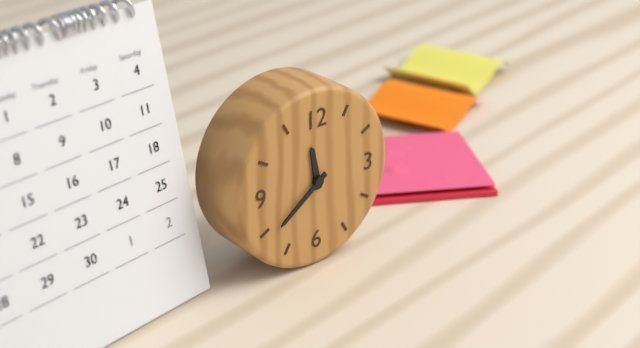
{"hour": 11, "minute": 39}
